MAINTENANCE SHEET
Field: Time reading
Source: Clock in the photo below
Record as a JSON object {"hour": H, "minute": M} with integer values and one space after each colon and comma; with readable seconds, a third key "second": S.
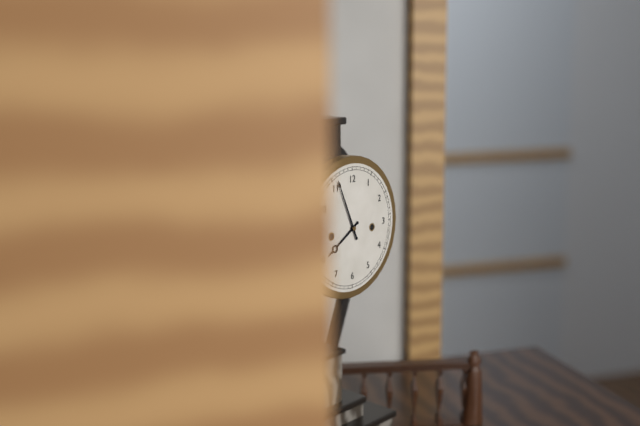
{"hour": 7, "minute": 56}
